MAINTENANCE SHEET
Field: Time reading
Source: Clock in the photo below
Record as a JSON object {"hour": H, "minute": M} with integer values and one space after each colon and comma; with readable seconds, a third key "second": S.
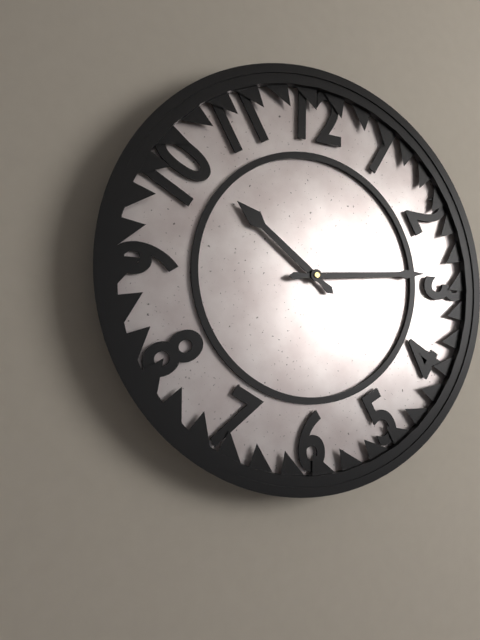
{"hour": 10, "minute": 14}
